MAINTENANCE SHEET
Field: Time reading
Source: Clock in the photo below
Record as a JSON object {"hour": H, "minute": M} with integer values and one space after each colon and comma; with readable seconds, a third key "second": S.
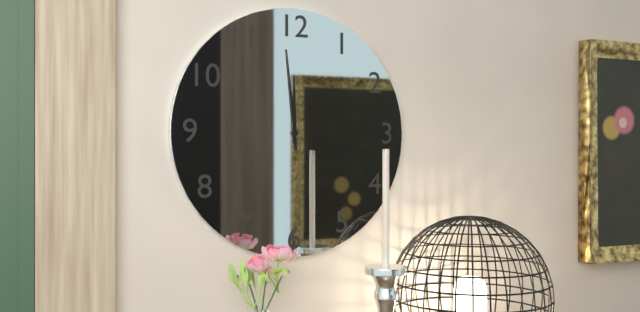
{"hour": 11, "minute": 59}
